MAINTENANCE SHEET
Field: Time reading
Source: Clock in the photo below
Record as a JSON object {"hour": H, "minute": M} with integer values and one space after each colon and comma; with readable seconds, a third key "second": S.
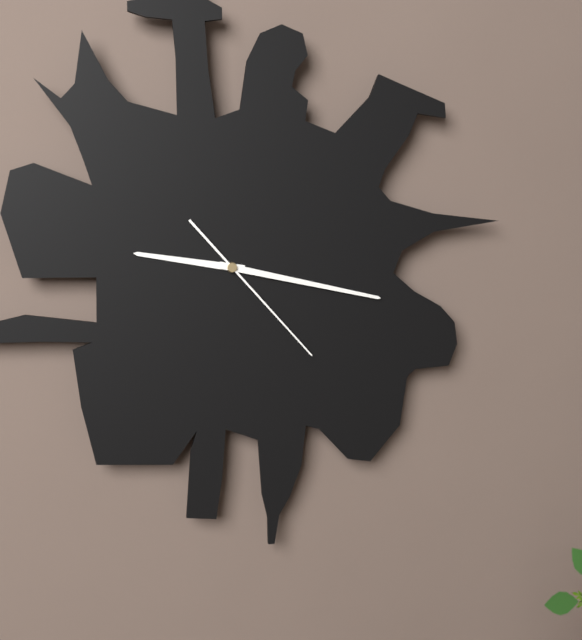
{"hour": 9, "minute": 17, "second": 23}
